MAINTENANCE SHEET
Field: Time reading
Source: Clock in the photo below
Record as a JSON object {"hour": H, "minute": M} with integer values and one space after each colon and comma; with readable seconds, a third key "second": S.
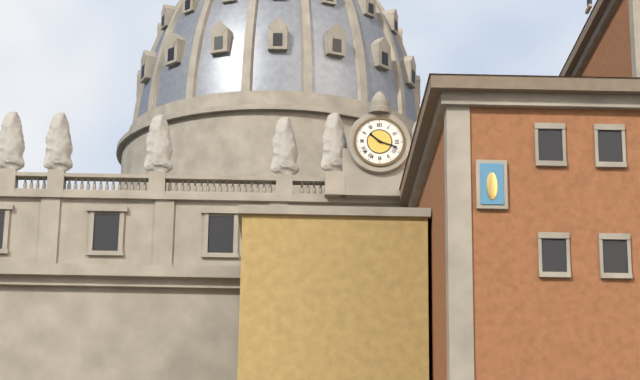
{"hour": 10, "minute": 18}
